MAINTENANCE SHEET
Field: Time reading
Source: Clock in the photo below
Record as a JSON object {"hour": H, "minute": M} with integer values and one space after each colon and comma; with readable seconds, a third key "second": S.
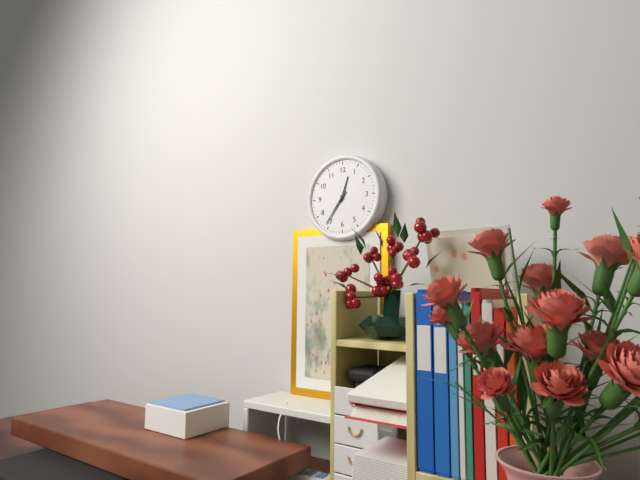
{"hour": 12, "minute": 36}
